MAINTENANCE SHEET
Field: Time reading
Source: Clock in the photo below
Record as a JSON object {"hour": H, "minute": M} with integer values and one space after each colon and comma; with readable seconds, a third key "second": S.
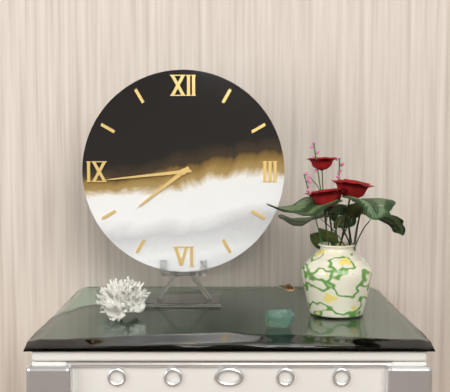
{"hour": 7, "minute": 44}
